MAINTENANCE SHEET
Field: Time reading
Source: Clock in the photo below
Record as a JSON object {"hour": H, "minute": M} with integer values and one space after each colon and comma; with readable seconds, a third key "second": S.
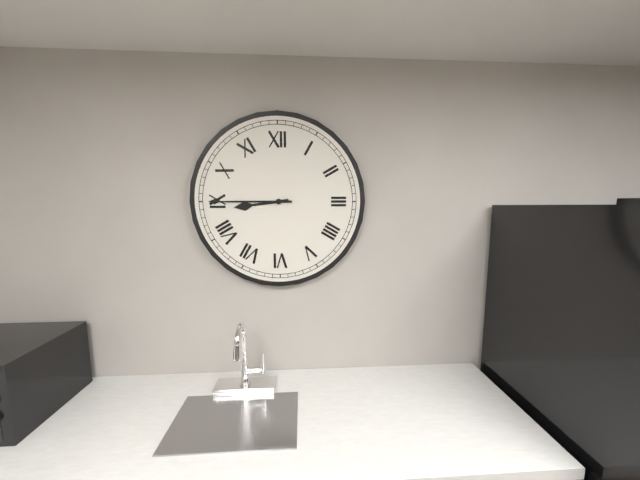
{"hour": 8, "minute": 45}
